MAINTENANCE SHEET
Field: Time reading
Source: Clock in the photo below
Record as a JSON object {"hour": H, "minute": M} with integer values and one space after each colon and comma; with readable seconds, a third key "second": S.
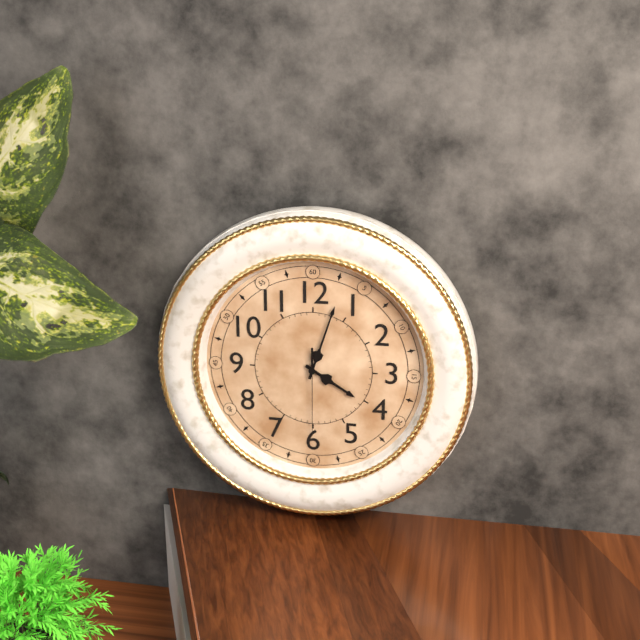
{"hour": 4, "minute": 3, "second": 30}
